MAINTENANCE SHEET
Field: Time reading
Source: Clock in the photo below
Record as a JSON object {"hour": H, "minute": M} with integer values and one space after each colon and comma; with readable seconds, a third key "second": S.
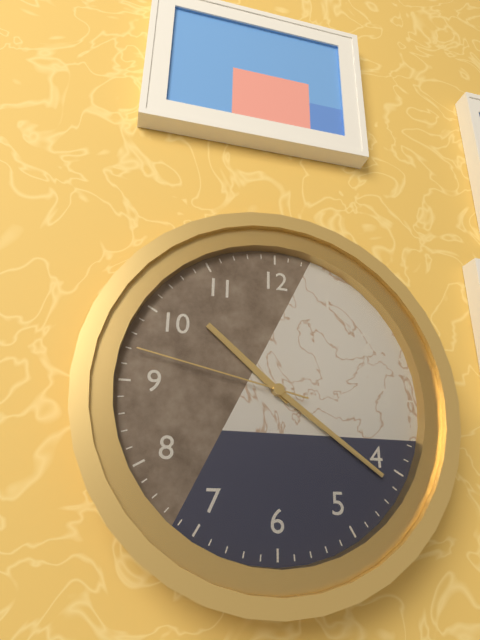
{"hour": 10, "minute": 21, "second": 47}
